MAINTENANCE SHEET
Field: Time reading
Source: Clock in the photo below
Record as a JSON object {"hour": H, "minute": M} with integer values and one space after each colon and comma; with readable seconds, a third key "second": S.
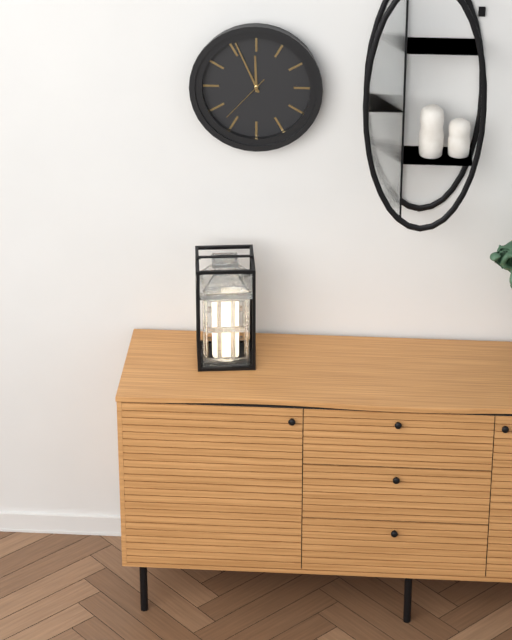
{"hour": 11, "minute": 56, "second": 37}
